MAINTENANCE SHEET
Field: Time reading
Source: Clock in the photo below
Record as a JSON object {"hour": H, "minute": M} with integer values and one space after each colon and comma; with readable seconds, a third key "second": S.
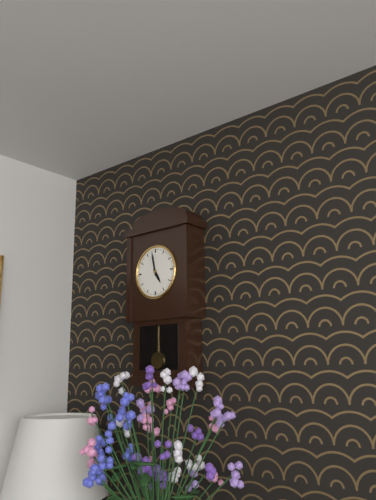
{"hour": 4, "minute": 58}
